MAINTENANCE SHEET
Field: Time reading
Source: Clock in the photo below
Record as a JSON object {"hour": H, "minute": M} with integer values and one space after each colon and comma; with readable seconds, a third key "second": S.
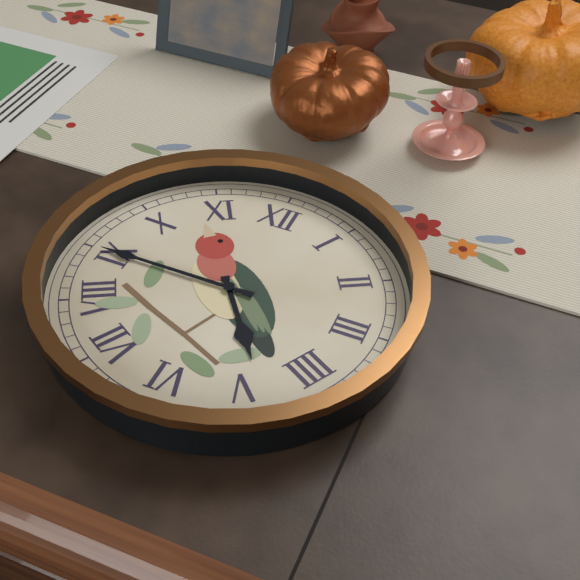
{"hour": 4, "minute": 45}
